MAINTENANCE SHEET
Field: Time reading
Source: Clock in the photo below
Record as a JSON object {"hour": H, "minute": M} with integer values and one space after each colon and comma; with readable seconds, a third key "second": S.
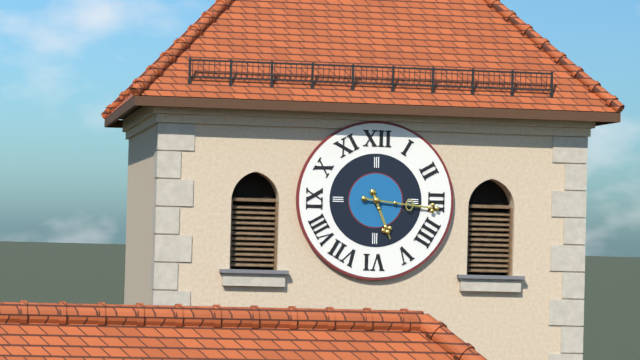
{"hour": 5, "minute": 16}
